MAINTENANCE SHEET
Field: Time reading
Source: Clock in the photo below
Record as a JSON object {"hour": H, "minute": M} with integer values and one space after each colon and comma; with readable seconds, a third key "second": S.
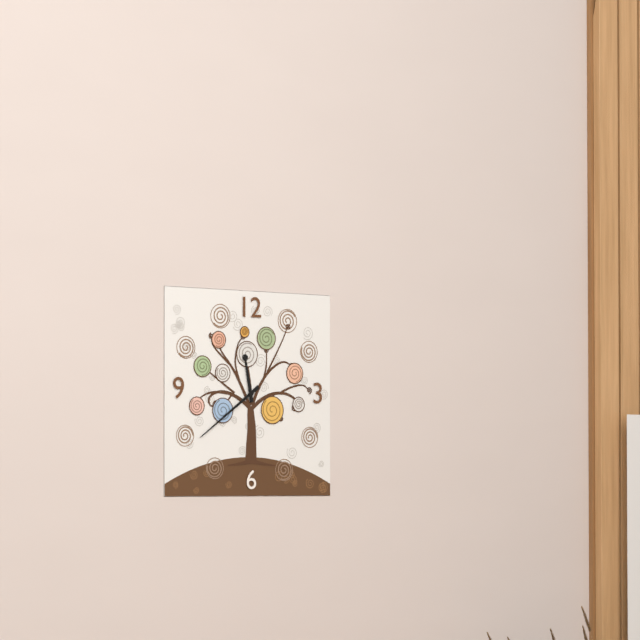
{"hour": 11, "minute": 39}
